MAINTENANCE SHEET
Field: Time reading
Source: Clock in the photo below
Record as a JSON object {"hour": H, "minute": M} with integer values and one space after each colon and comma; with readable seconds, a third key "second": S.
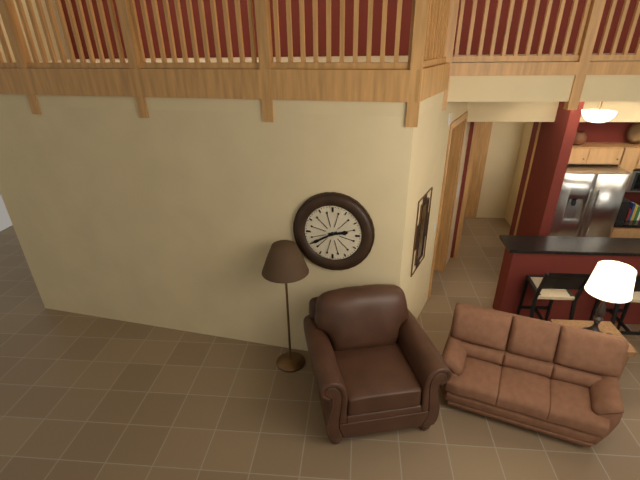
{"hour": 2, "minute": 40}
